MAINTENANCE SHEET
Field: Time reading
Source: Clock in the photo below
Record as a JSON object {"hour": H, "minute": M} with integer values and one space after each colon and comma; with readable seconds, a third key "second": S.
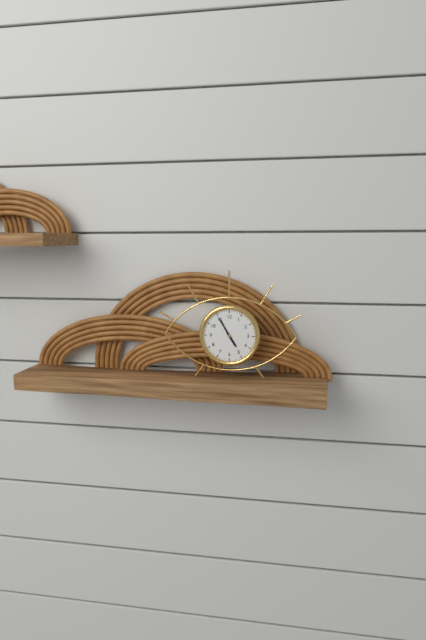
{"hour": 4, "minute": 55}
